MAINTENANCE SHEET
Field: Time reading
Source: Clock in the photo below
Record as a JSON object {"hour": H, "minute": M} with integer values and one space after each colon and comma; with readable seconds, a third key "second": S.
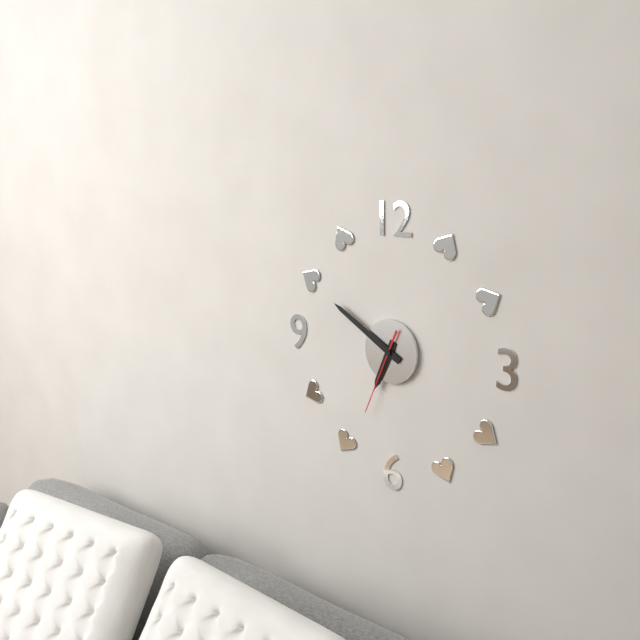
{"hour": 6, "minute": 50, "second": 34}
